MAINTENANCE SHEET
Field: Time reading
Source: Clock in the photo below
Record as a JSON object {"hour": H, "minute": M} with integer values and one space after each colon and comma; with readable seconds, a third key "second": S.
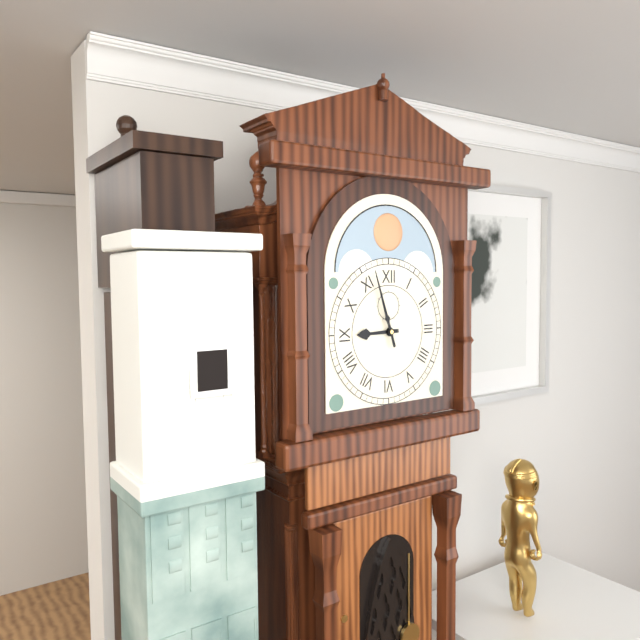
{"hour": 8, "minute": 57}
